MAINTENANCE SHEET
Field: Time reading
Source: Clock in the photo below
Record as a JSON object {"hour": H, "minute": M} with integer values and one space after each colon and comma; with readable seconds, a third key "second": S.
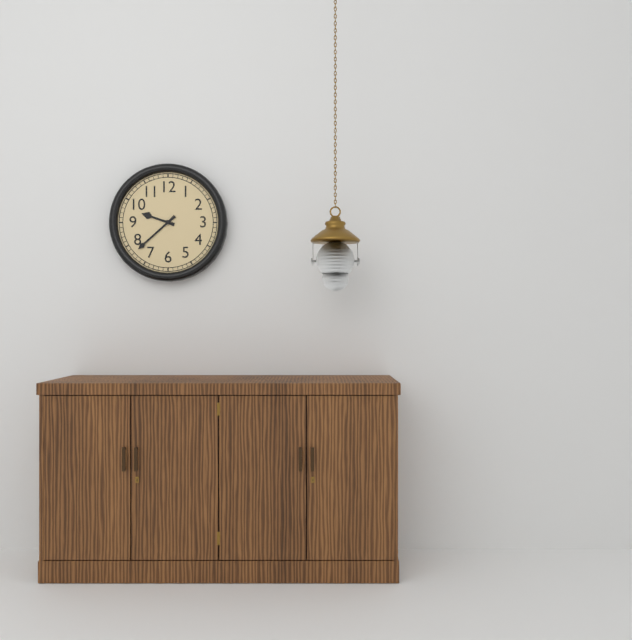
{"hour": 9, "minute": 38}
